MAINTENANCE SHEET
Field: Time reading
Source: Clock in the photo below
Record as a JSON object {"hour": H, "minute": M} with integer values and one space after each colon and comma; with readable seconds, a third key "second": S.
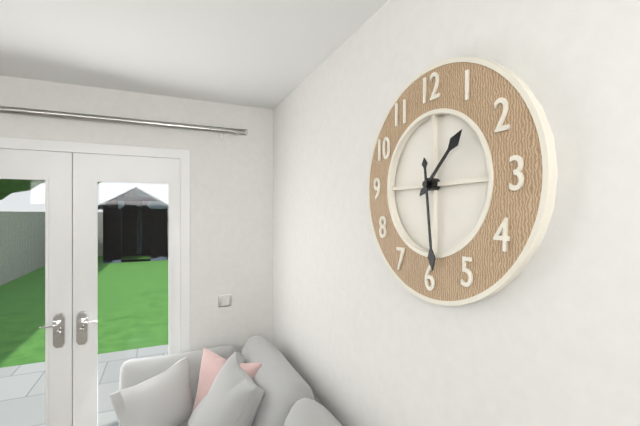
{"hour": 1, "minute": 29}
